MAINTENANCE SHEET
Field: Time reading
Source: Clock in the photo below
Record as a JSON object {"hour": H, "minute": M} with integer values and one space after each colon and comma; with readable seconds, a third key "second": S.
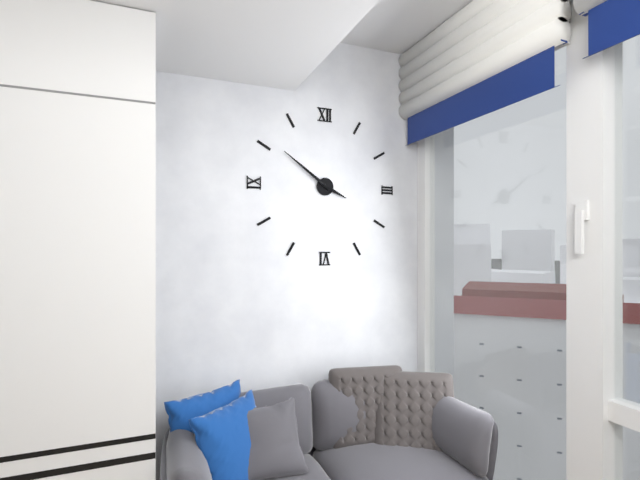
{"hour": 3, "minute": 51}
